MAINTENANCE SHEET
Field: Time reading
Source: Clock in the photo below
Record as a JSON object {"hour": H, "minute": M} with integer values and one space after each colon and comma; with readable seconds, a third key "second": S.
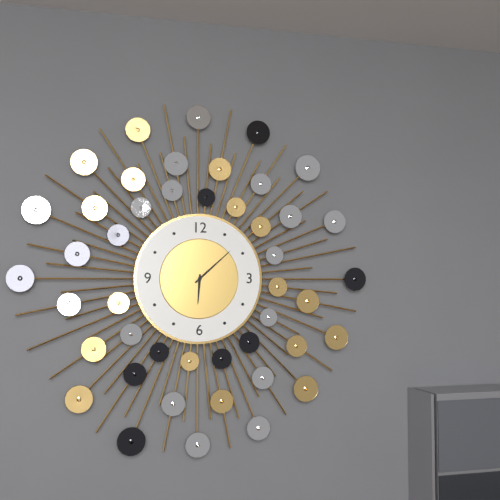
{"hour": 6, "minute": 8}
